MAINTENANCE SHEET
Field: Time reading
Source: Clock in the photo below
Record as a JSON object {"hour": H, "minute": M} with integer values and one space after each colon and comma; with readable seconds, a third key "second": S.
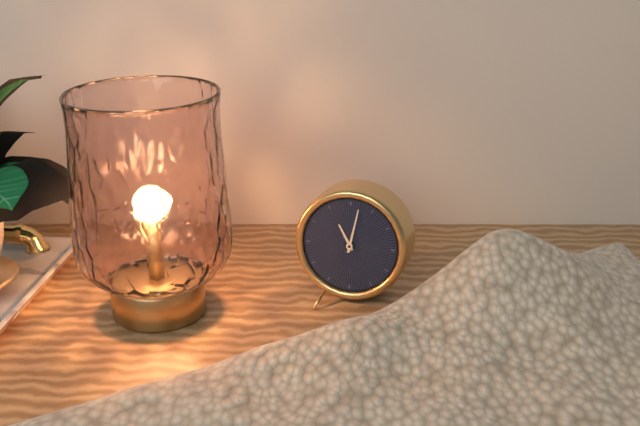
{"hour": 11, "minute": 2}
